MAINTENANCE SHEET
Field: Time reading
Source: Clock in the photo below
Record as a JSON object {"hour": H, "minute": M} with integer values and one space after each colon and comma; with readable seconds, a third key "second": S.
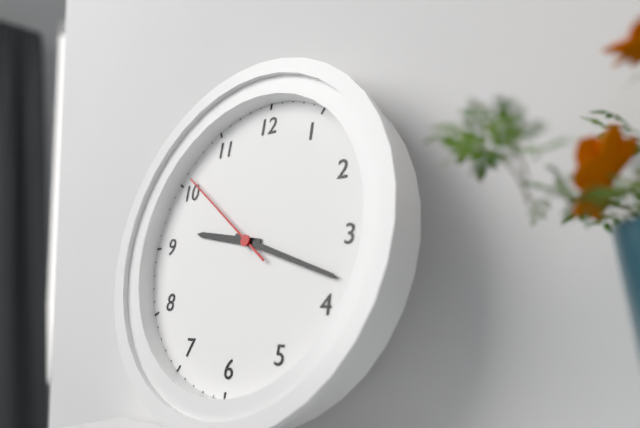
{"hour": 9, "minute": 18, "second": 51}
